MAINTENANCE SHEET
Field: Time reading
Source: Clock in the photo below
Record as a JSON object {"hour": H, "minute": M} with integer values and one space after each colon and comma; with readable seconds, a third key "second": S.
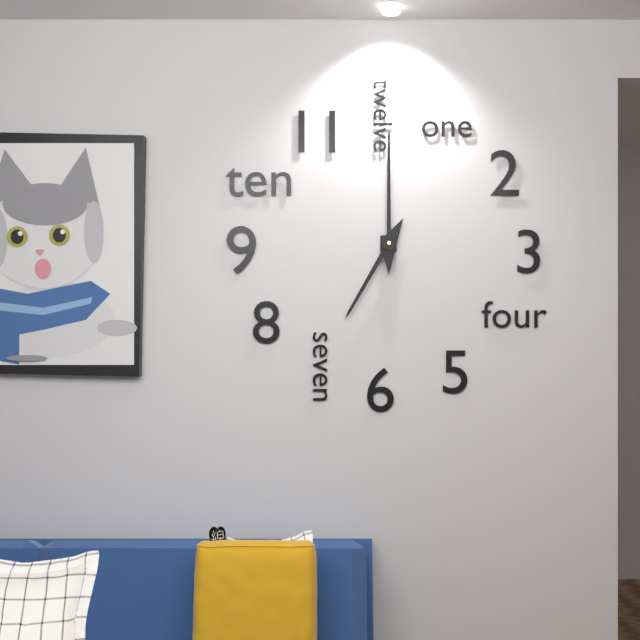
{"hour": 7, "minute": 0}
